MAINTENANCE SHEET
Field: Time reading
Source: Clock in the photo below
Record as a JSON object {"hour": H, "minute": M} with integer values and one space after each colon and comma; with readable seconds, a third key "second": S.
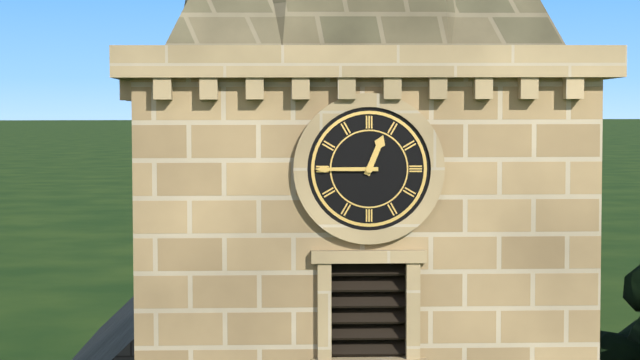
{"hour": 12, "minute": 45}
